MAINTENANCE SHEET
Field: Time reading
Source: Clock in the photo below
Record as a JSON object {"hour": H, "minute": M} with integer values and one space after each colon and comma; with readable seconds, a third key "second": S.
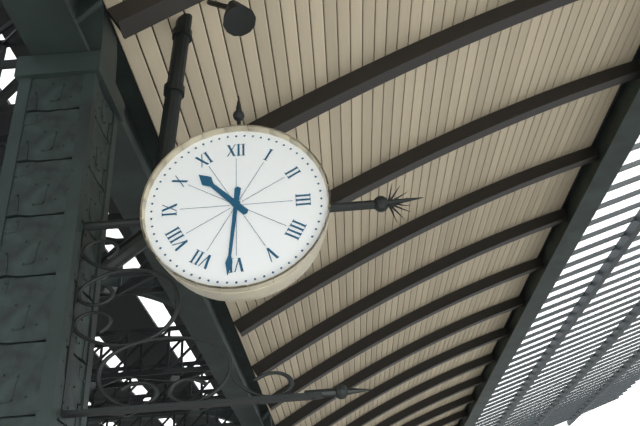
{"hour": 10, "minute": 31}
